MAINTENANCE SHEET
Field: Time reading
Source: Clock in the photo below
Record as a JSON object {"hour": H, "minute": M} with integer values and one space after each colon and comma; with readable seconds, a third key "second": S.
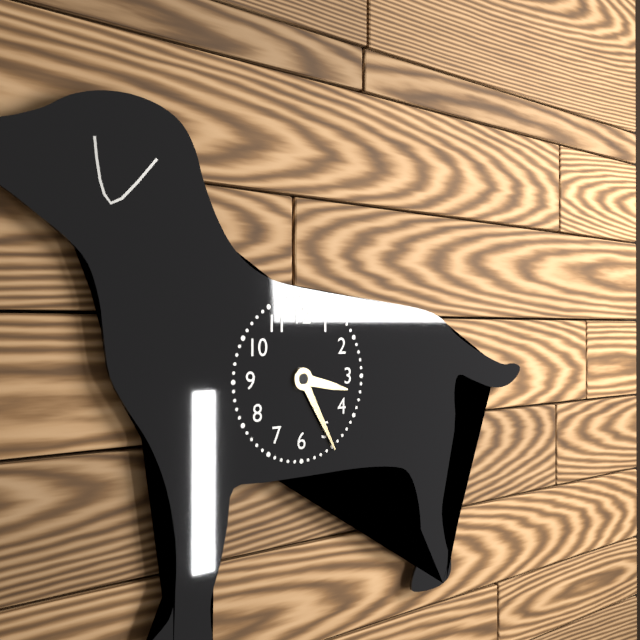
{"hour": 3, "minute": 25}
